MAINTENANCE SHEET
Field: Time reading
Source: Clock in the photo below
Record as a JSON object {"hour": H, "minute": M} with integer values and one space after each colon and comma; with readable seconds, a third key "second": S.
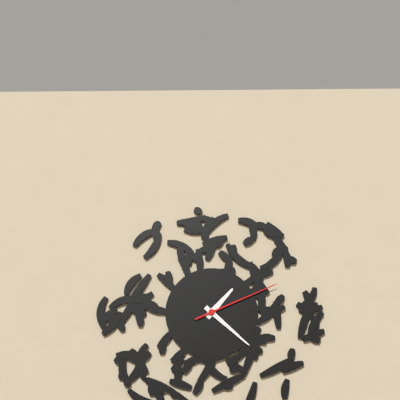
{"hour": 1, "minute": 22, "second": 11}
